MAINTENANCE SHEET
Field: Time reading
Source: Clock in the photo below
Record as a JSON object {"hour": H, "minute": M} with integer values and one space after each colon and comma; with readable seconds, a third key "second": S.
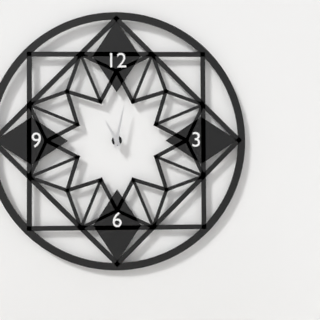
{"hour": 11, "minute": 2}
